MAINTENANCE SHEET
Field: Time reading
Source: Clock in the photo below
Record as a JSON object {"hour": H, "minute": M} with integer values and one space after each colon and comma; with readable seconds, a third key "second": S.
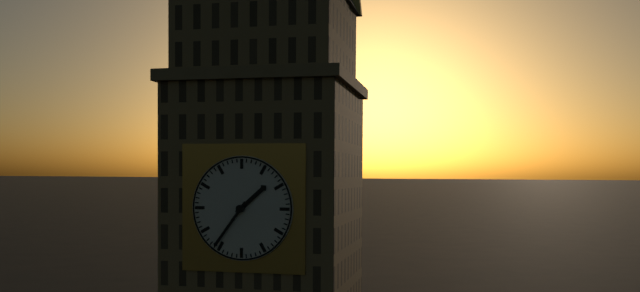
{"hour": 1, "minute": 36}
